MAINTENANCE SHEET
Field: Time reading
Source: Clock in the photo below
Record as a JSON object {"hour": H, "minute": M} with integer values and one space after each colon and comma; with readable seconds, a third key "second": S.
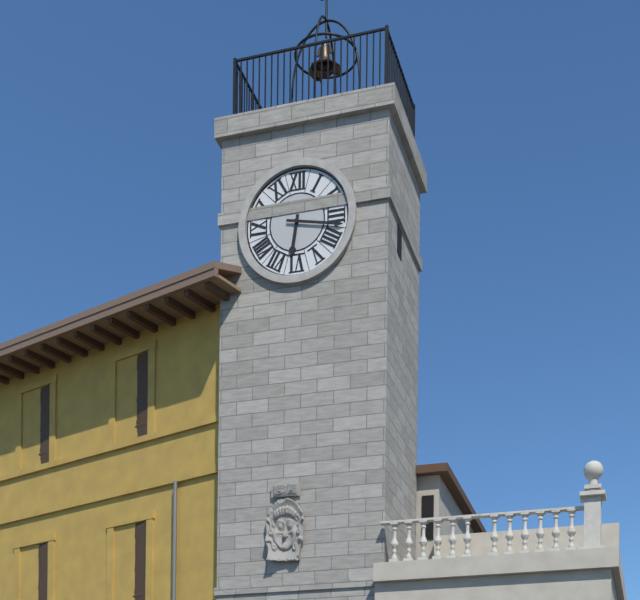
{"hour": 6, "minute": 17}
